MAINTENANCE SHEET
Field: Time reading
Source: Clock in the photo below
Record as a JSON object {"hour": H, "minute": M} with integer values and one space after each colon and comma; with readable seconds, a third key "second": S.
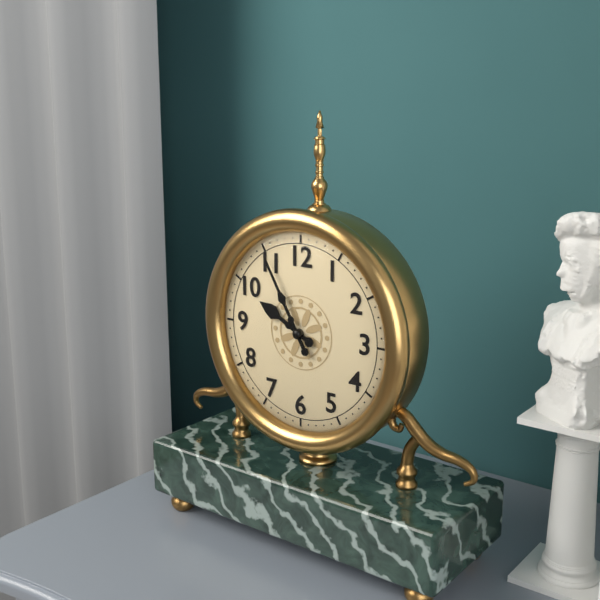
{"hour": 9, "minute": 55}
